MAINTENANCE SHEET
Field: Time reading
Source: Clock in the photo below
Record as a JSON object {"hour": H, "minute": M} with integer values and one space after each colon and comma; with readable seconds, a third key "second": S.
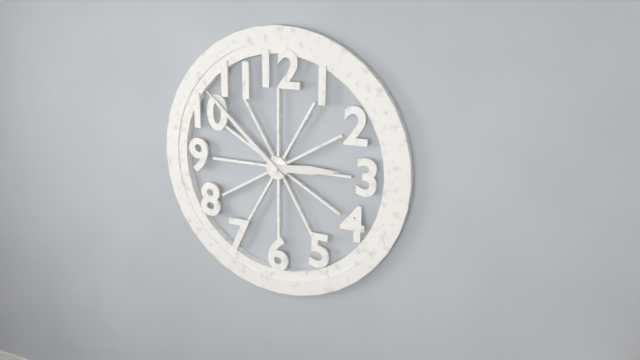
{"hour": 2, "minute": 52}
